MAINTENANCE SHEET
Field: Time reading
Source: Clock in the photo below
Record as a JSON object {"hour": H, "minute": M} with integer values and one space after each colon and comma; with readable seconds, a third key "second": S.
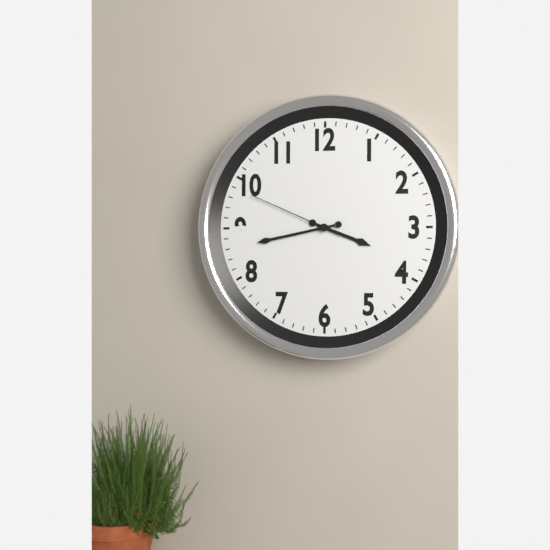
{"hour": 3, "minute": 43, "second": 49}
